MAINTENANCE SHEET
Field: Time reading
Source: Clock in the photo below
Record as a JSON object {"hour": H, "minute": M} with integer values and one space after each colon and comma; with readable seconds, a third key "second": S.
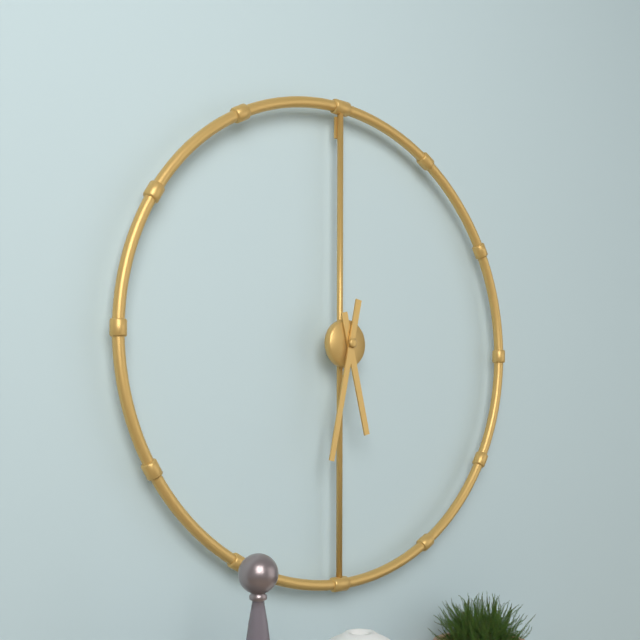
{"hour": 5, "minute": 32}
